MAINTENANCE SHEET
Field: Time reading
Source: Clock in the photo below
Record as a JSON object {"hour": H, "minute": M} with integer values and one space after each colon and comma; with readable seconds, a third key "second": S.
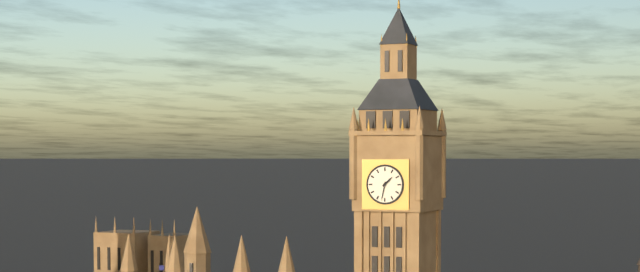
{"hour": 1, "minute": 32}
